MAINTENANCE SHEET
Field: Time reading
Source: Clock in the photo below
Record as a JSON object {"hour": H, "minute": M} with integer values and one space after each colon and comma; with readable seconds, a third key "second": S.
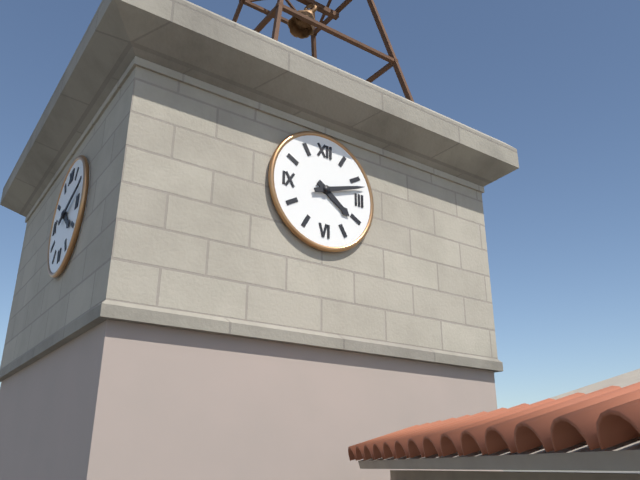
{"hour": 4, "minute": 12}
